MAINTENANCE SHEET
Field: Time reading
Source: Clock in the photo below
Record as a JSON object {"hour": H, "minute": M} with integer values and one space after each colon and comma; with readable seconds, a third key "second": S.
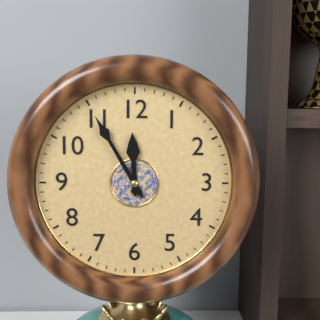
{"hour": 11, "minute": 55}
